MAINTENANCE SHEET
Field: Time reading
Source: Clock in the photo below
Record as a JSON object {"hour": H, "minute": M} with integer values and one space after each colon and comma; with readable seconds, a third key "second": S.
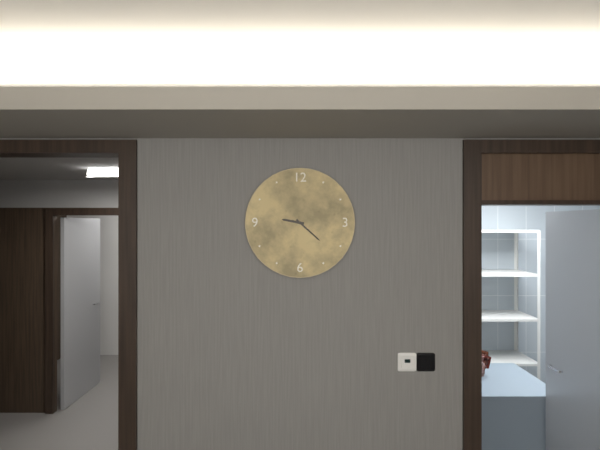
{"hour": 9, "minute": 22}
